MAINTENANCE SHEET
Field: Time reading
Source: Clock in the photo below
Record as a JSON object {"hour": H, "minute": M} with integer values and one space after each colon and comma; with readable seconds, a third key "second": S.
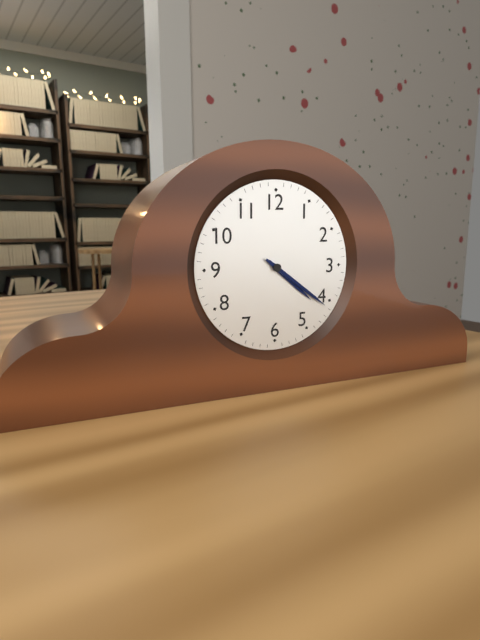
{"hour": 4, "minute": 21}
